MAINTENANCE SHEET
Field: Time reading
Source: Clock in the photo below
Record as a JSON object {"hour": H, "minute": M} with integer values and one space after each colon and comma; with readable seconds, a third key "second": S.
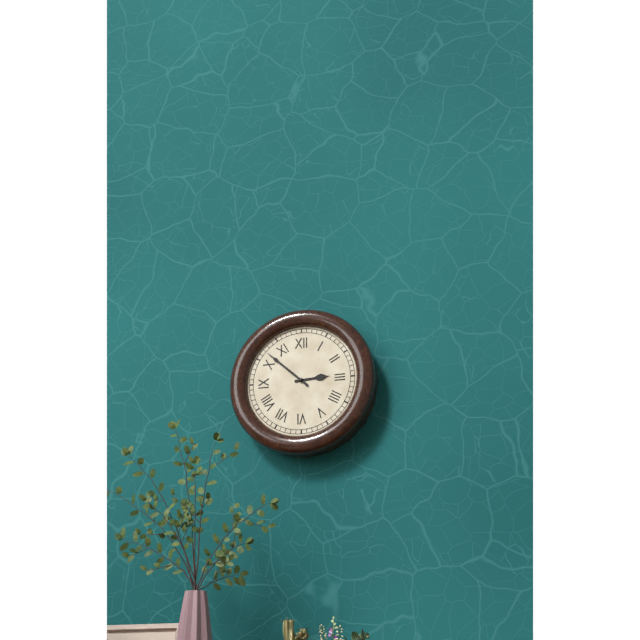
{"hour": 2, "minute": 52}
